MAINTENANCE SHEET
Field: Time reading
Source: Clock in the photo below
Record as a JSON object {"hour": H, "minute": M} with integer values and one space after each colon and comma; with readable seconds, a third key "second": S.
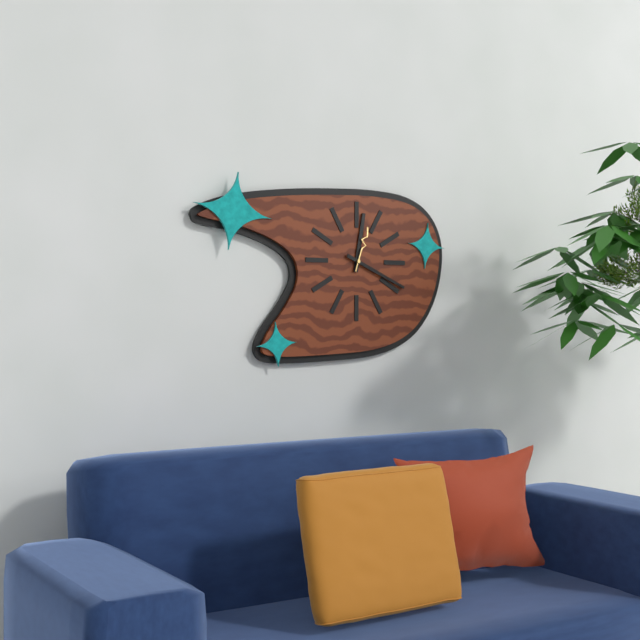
{"hour": 12, "minute": 19}
